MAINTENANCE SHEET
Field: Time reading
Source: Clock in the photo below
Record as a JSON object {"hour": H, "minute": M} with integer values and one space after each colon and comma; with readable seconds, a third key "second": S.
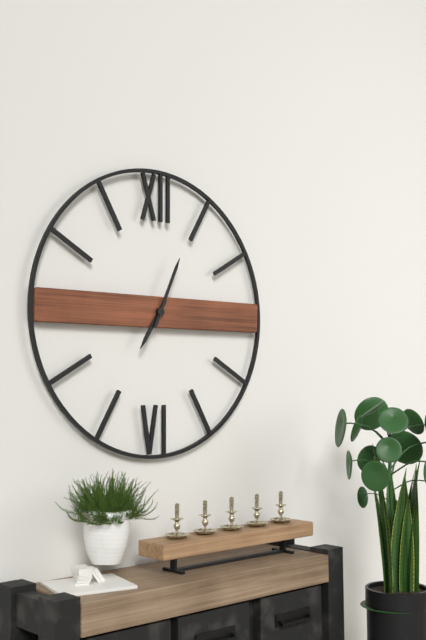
{"hour": 7, "minute": 4}
